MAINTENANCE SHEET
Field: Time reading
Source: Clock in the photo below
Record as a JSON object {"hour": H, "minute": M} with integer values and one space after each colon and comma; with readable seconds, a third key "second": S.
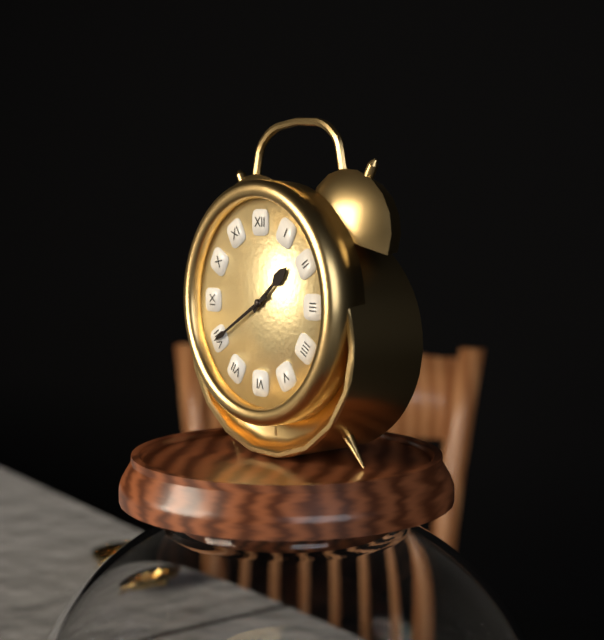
{"hour": 1, "minute": 40}
